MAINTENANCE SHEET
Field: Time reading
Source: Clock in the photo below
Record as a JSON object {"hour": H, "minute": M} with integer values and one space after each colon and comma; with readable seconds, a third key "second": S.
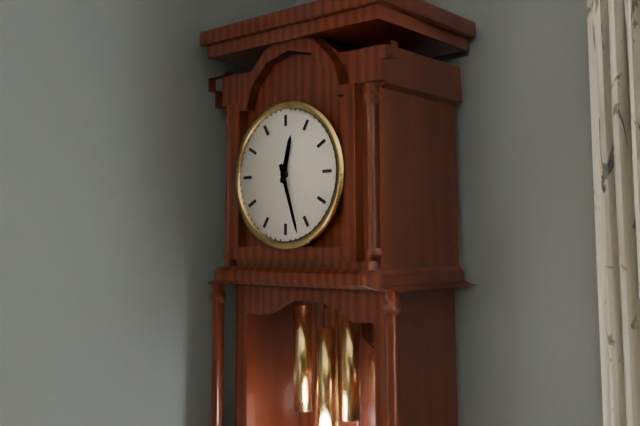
{"hour": 12, "minute": 27}
